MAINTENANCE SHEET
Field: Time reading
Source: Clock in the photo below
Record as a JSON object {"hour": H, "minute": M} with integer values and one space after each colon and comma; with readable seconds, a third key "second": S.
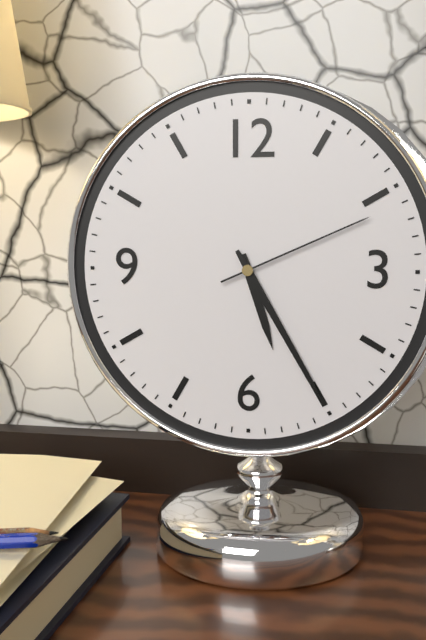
{"hour": 5, "minute": 25, "second": 11}
